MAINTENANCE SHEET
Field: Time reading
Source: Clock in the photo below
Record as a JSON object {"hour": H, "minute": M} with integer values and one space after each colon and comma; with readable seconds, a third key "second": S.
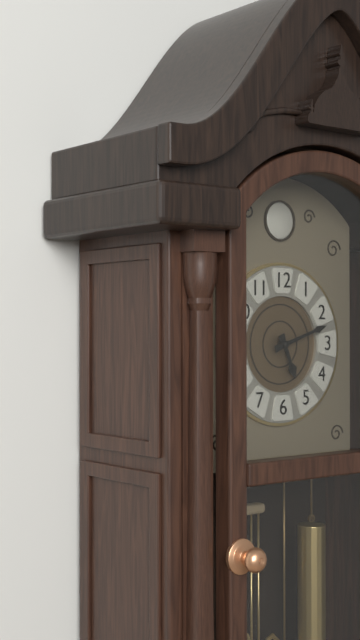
{"hour": 5, "minute": 12}
